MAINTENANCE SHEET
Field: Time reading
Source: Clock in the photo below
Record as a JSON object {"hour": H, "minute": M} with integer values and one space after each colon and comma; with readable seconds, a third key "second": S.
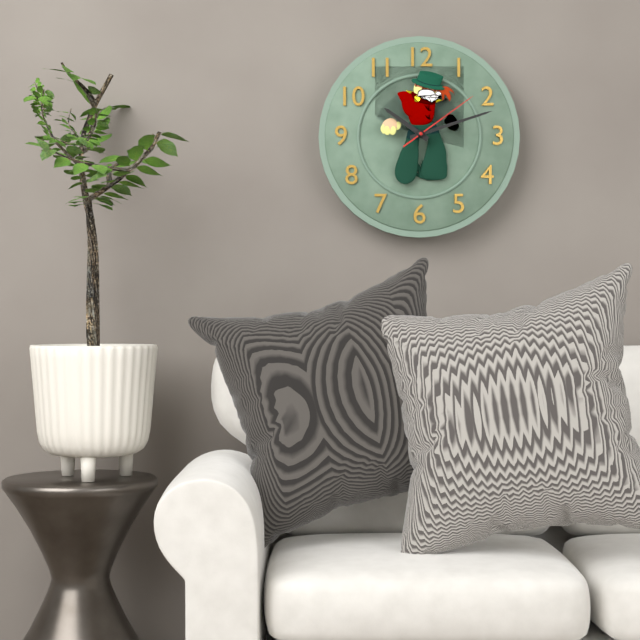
{"hour": 10, "minute": 12, "second": 9}
